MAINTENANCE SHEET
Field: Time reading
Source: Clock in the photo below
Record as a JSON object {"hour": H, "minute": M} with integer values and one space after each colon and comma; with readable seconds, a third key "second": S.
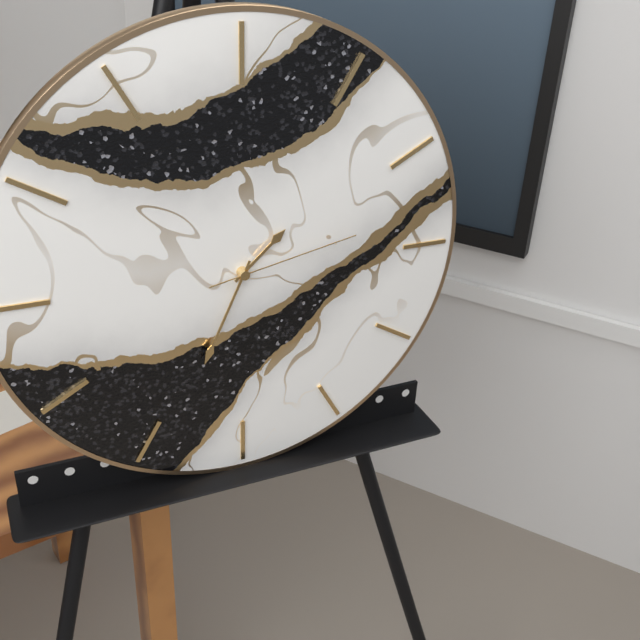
{"hour": 1, "minute": 34, "second": 13}
